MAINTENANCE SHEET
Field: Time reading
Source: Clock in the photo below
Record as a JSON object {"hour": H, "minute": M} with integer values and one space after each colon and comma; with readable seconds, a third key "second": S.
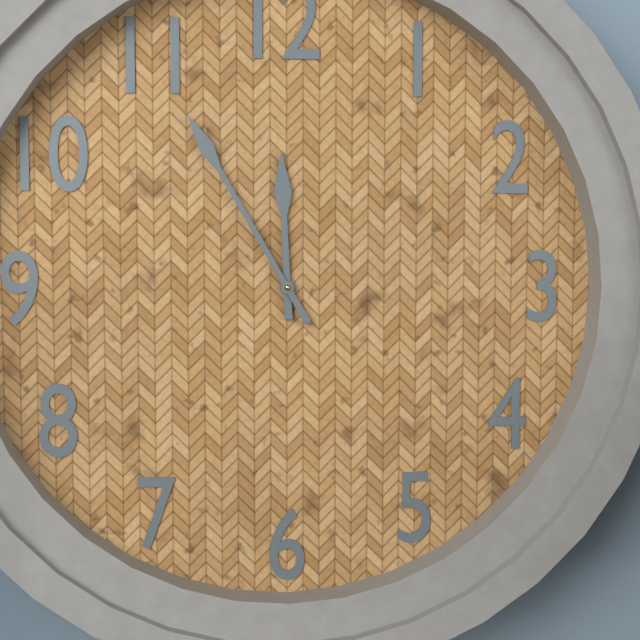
{"hour": 11, "minute": 55}
